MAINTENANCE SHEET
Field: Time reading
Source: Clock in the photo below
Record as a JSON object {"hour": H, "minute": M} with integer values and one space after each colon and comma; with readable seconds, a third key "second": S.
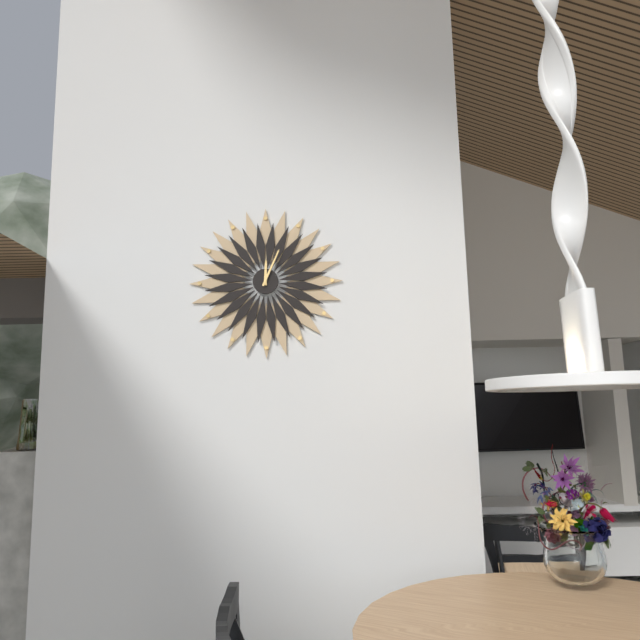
{"hour": 12, "minute": 4}
